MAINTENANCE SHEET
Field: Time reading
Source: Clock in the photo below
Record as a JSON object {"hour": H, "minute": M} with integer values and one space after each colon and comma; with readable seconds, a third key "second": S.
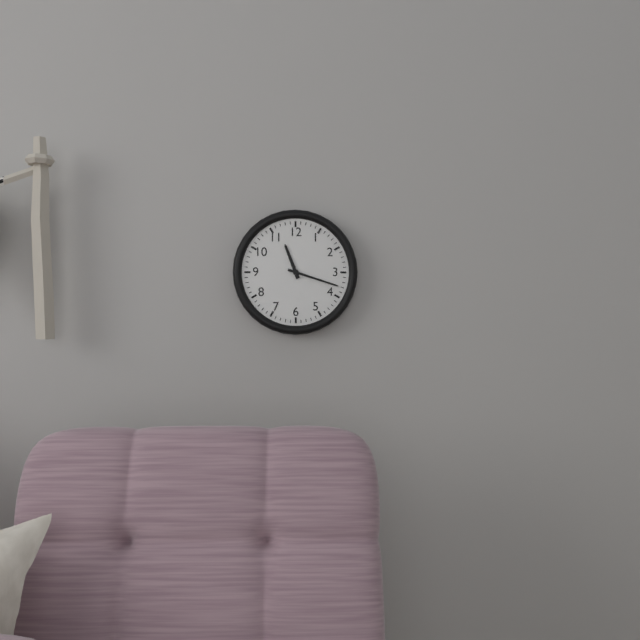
{"hour": 11, "minute": 18}
